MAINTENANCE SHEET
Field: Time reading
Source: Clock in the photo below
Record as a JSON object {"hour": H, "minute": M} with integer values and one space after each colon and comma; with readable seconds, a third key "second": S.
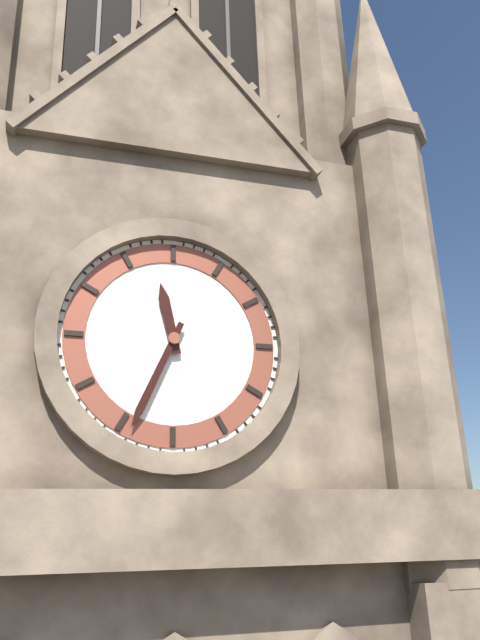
{"hour": 11, "minute": 34}
